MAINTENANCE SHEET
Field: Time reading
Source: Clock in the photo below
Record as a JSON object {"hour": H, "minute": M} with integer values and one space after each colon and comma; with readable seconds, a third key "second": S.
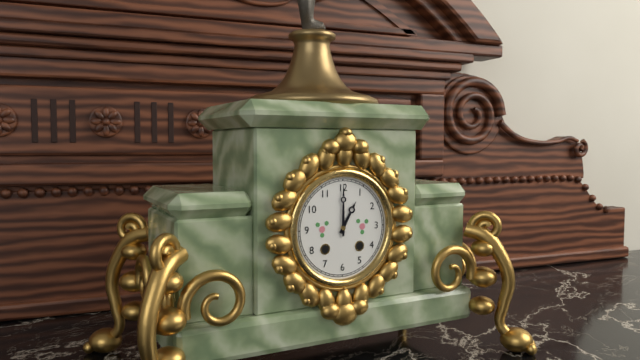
{"hour": 1, "minute": 0}
